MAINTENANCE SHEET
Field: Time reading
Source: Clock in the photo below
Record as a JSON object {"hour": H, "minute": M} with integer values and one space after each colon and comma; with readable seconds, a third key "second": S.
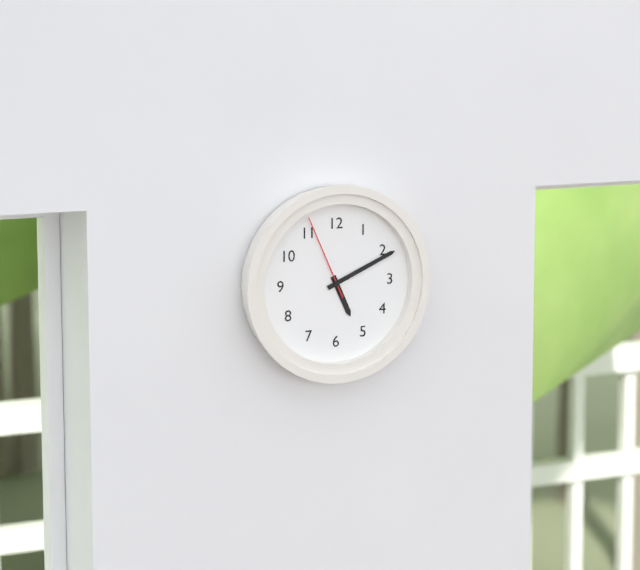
{"hour": 5, "minute": 11, "second": 56}
